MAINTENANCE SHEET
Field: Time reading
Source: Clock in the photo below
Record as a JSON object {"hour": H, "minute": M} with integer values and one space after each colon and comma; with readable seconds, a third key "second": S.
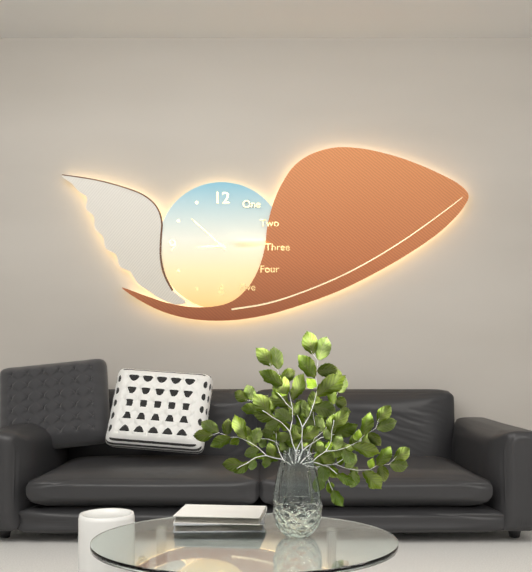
{"hour": 8, "minute": 52}
